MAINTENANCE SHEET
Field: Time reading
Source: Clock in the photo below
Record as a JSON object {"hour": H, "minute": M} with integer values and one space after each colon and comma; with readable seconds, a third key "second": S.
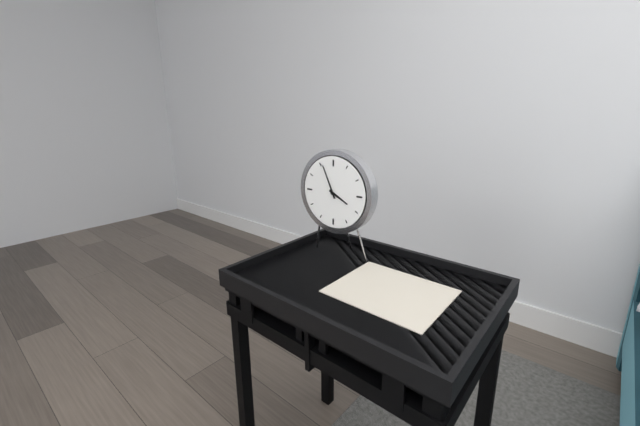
{"hour": 3, "minute": 56}
